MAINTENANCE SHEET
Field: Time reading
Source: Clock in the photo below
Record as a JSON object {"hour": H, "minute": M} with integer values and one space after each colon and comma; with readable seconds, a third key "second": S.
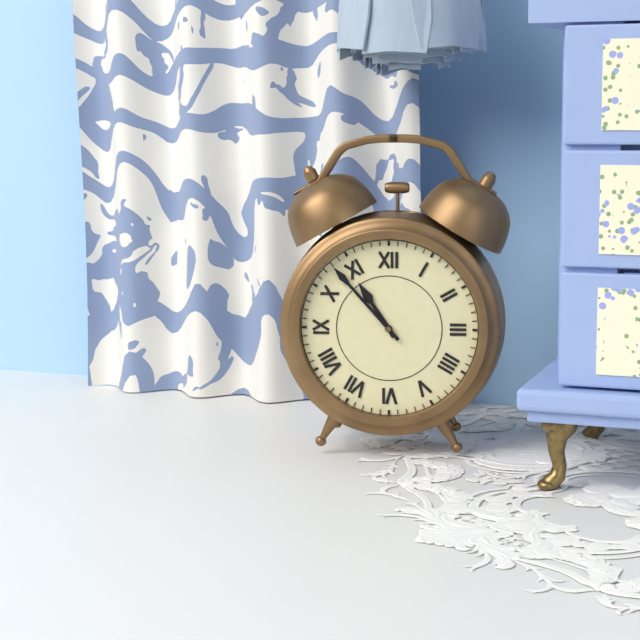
{"hour": 10, "minute": 53}
